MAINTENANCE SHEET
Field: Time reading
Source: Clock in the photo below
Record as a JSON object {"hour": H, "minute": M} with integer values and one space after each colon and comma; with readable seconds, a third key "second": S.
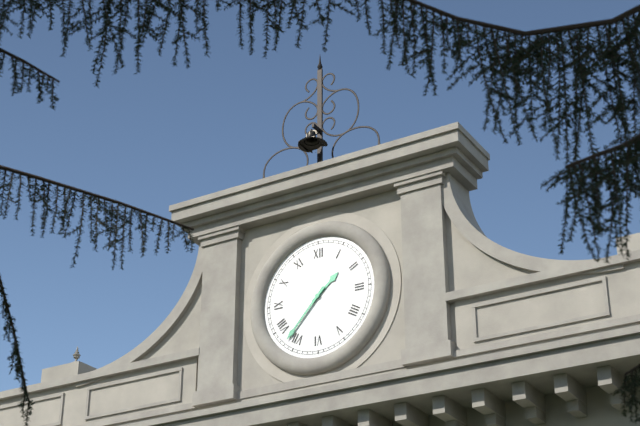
{"hour": 1, "minute": 37}
